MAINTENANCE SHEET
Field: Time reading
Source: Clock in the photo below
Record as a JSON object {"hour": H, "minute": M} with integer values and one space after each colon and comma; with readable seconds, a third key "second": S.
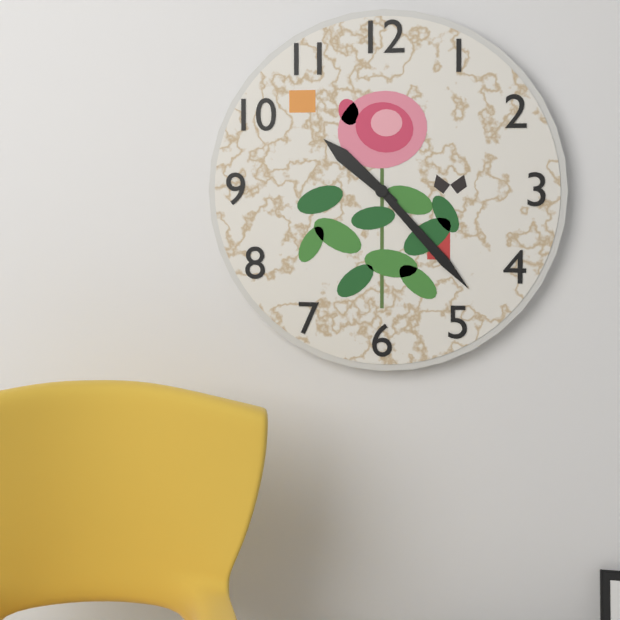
{"hour": 10, "minute": 23}
